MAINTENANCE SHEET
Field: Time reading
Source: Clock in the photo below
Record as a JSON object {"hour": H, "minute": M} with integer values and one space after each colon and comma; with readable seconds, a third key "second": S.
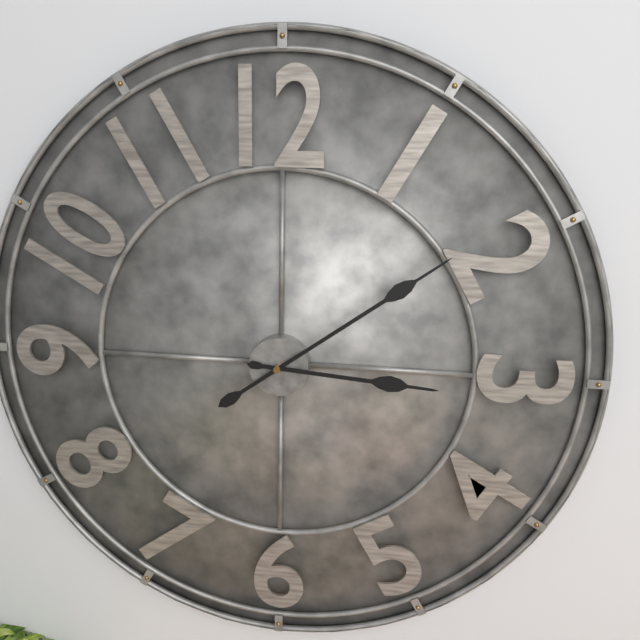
{"hour": 3, "minute": 9}
